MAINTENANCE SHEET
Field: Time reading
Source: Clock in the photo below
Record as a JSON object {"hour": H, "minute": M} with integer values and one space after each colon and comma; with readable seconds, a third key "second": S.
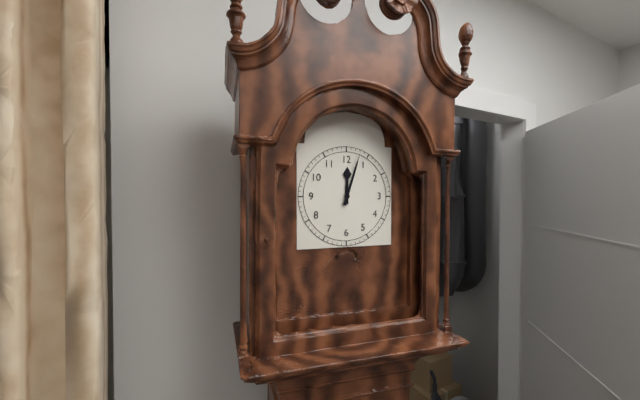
{"hour": 12, "minute": 3}
